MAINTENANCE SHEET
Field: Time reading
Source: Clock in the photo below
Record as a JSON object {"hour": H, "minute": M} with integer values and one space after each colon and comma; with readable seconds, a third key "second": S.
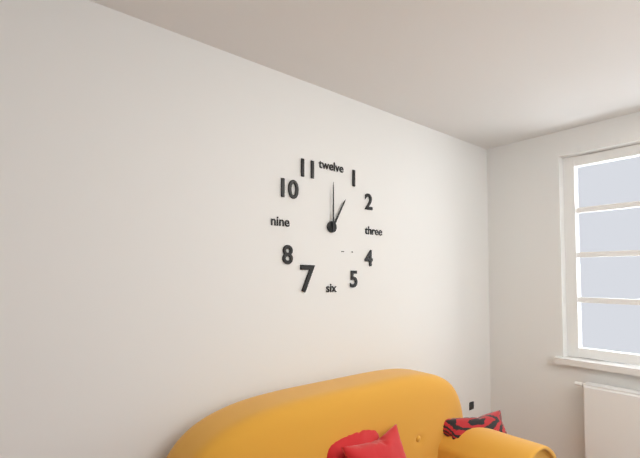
{"hour": 1, "minute": 0}
